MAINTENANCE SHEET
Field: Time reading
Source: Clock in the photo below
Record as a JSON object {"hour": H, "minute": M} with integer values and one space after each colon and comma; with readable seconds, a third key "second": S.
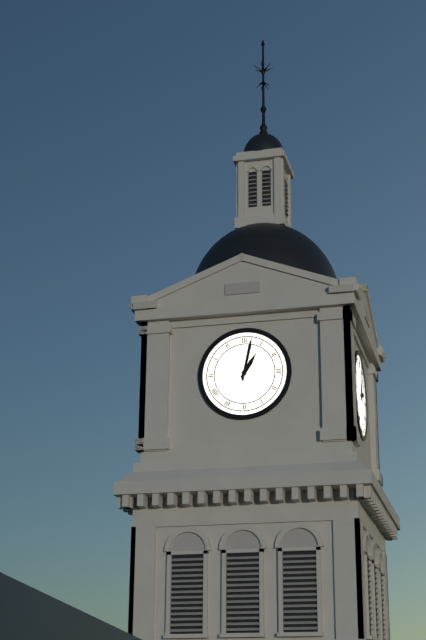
{"hour": 1, "minute": 2}
